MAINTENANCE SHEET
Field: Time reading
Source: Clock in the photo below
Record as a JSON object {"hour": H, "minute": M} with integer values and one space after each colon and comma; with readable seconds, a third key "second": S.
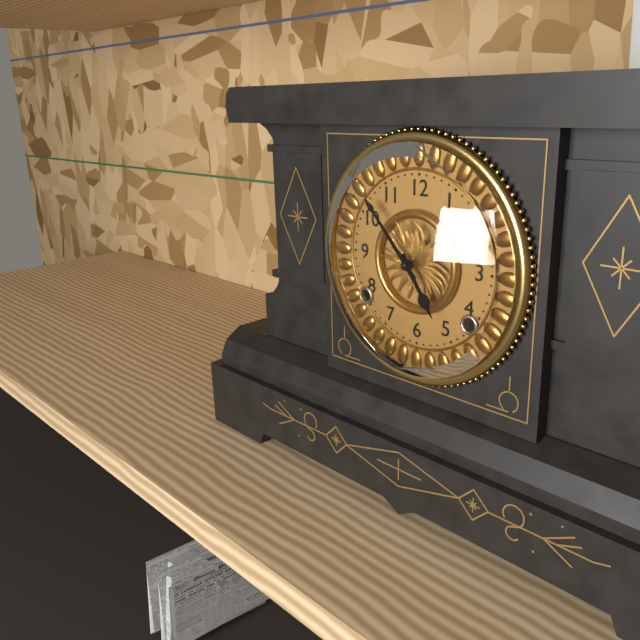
{"hour": 4, "minute": 53}
